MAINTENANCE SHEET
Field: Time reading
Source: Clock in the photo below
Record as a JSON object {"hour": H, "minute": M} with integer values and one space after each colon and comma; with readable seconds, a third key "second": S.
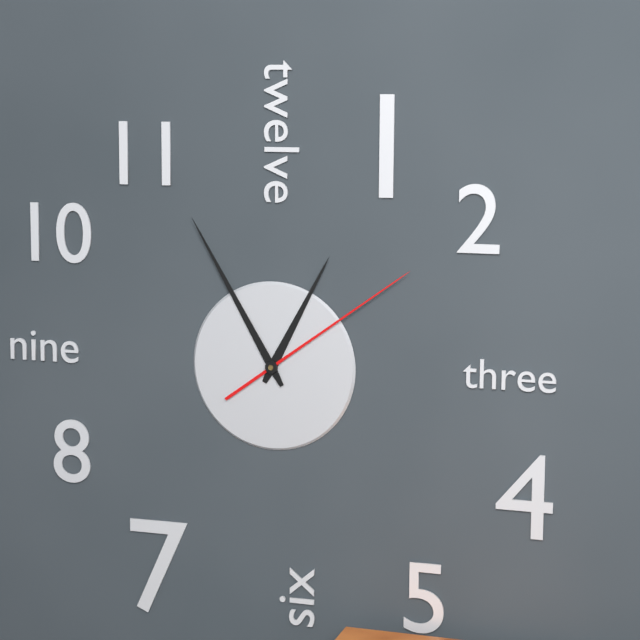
{"hour": 12, "minute": 55, "second": 9}
